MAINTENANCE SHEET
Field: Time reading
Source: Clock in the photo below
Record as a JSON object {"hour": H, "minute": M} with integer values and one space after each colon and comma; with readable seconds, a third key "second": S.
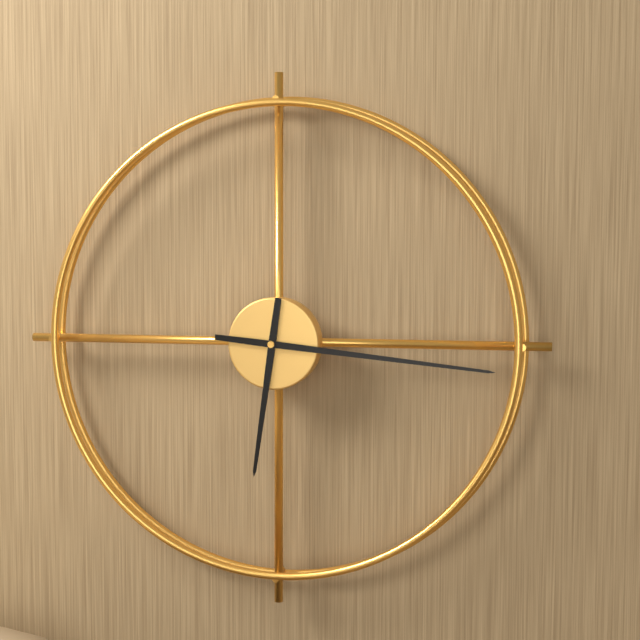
{"hour": 6, "minute": 16}
